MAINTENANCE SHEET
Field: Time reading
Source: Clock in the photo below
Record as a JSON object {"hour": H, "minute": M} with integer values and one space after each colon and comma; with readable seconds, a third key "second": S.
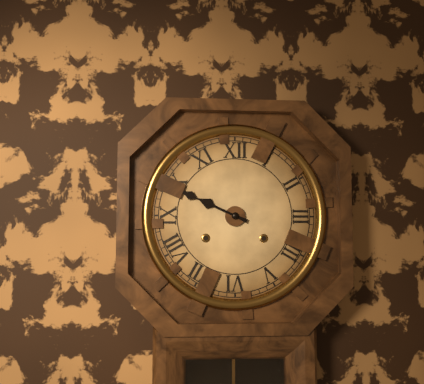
{"hour": 9, "minute": 49}
